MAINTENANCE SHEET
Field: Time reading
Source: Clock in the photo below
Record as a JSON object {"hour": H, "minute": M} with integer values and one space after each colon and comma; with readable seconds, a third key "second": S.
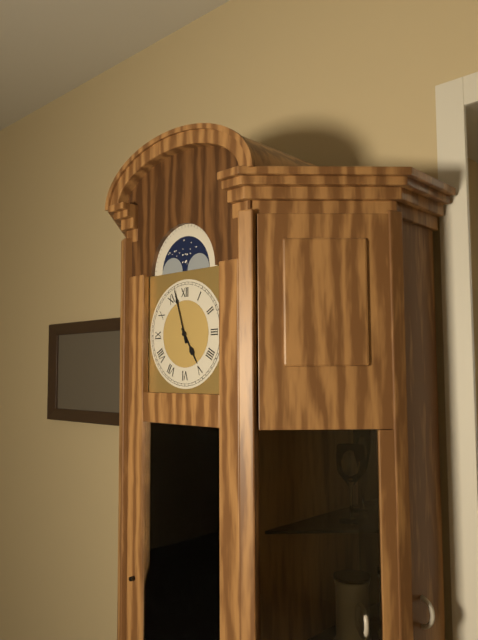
{"hour": 4, "minute": 57}
